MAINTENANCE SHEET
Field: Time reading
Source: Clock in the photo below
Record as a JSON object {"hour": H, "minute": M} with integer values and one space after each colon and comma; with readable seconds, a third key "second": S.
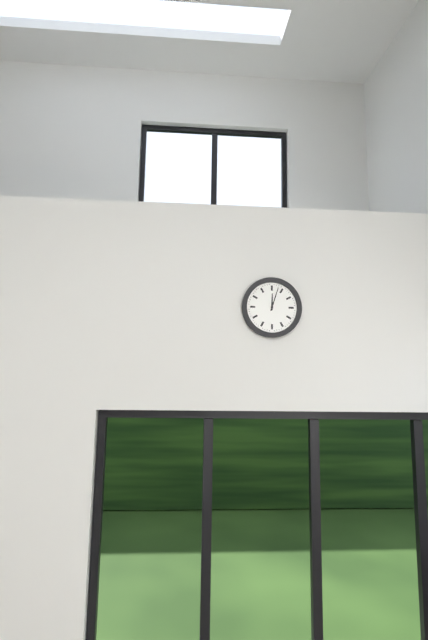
{"hour": 12, "minute": 3}
